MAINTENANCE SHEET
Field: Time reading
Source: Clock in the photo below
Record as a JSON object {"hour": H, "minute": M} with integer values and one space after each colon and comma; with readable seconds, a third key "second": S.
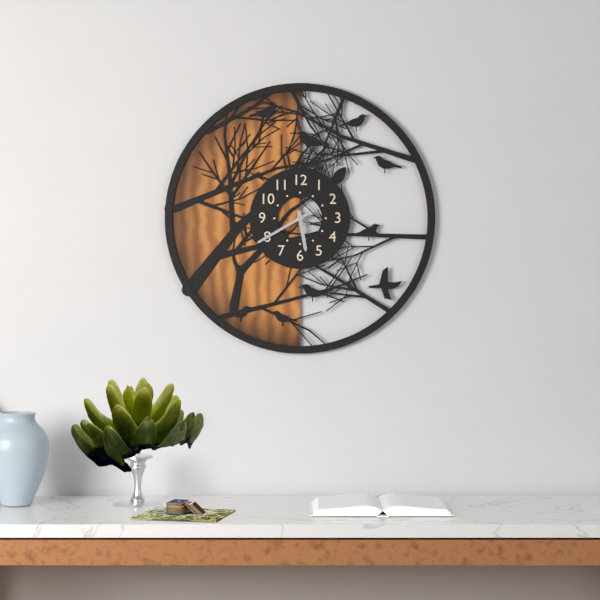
{"hour": 5, "minute": 40}
